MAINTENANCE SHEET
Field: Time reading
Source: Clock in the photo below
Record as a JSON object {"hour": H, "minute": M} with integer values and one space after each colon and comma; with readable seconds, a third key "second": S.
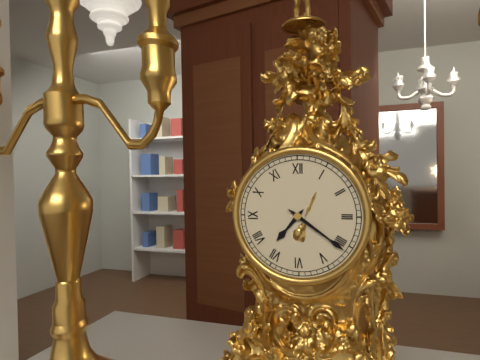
{"hour": 7, "minute": 21}
